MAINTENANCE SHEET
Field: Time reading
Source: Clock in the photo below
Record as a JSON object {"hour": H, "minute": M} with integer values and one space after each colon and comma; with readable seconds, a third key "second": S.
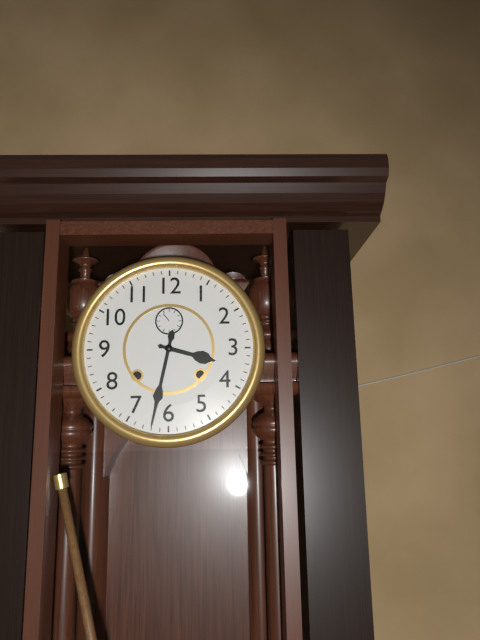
{"hour": 3, "minute": 32}
